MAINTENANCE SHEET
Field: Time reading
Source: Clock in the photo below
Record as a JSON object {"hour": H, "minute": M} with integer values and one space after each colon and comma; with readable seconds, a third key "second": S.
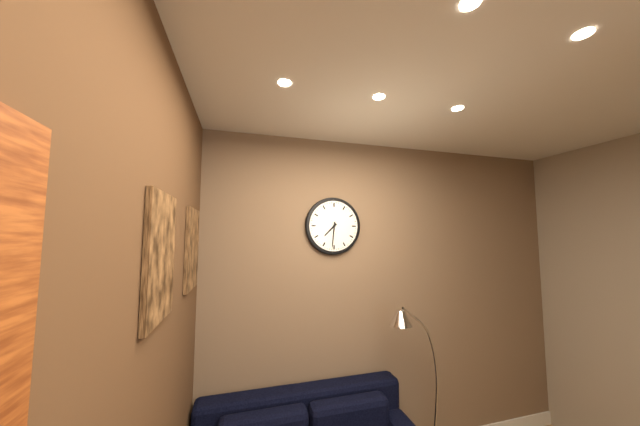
{"hour": 7, "minute": 31}
